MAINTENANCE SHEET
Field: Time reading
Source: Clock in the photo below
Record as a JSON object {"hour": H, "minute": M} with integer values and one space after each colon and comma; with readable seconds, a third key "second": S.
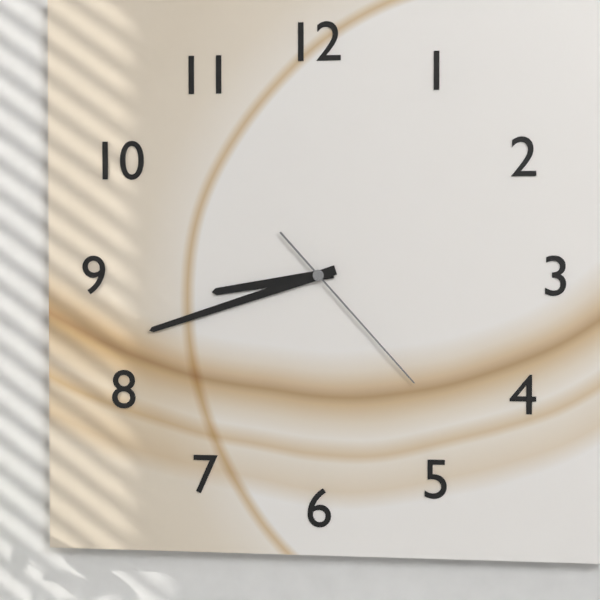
{"hour": 8, "minute": 42, "second": 23}
